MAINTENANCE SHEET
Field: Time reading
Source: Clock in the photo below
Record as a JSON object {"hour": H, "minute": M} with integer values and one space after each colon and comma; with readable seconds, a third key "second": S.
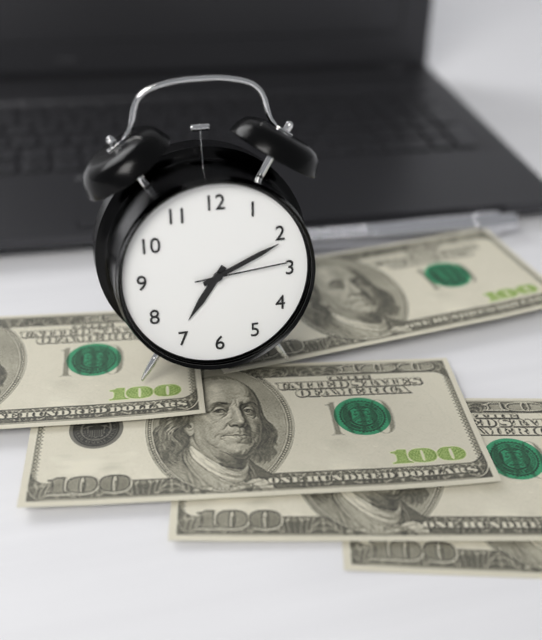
{"hour": 7, "minute": 11, "second": 14}
